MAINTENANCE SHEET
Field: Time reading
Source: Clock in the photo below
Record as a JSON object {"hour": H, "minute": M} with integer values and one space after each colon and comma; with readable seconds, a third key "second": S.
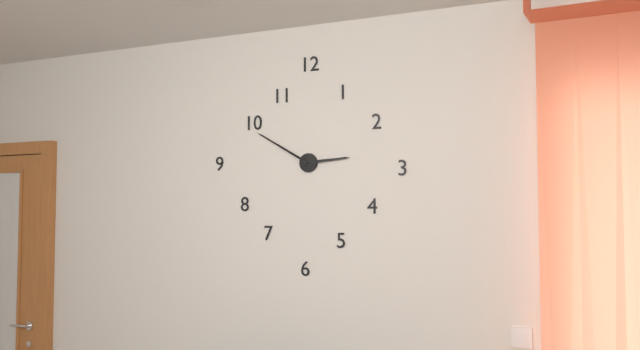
{"hour": 2, "minute": 50}
